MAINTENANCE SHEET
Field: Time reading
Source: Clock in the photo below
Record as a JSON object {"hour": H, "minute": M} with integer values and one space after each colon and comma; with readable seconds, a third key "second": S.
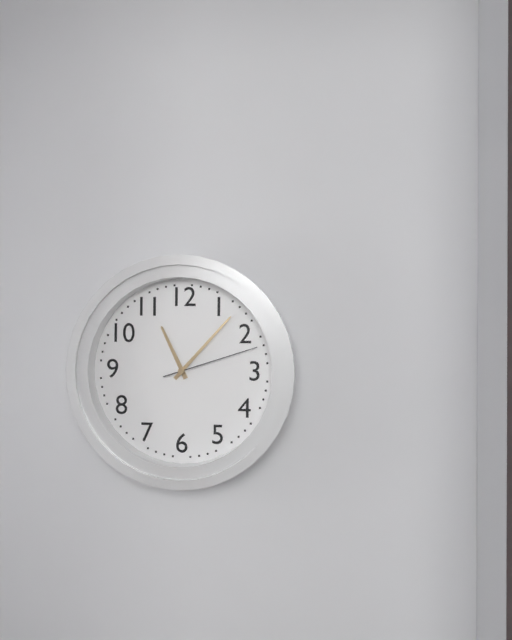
{"hour": 11, "minute": 7, "second": 12}
